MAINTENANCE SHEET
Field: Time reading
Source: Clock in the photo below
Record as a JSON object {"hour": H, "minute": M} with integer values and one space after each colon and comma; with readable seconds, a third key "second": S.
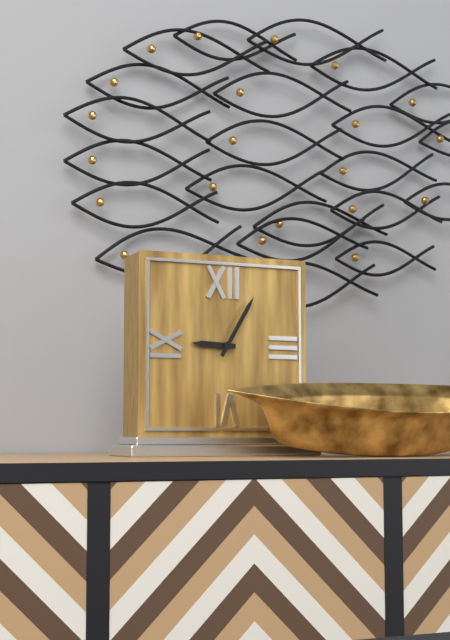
{"hour": 9, "minute": 5}
